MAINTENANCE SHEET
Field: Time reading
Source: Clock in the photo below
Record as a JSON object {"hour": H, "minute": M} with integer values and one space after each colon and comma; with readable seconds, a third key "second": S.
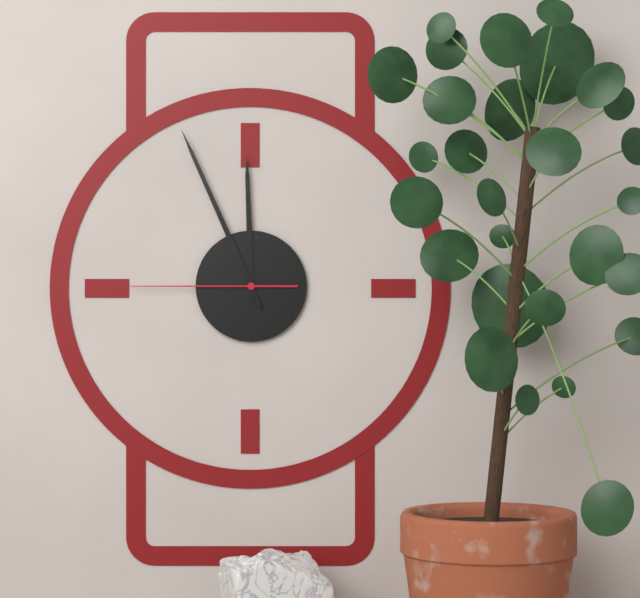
{"hour": 11, "minute": 56, "second": 45}
